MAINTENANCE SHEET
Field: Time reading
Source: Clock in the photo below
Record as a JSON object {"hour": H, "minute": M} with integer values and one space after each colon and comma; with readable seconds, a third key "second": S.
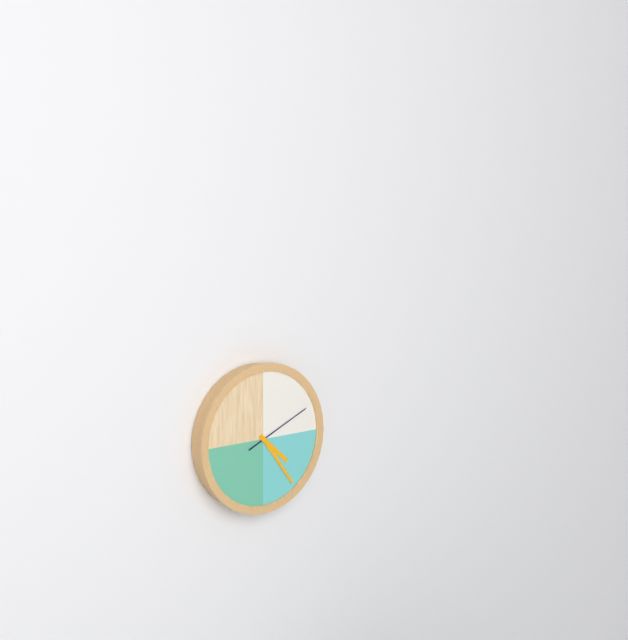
{"hour": 4, "minute": 24, "second": 11}
